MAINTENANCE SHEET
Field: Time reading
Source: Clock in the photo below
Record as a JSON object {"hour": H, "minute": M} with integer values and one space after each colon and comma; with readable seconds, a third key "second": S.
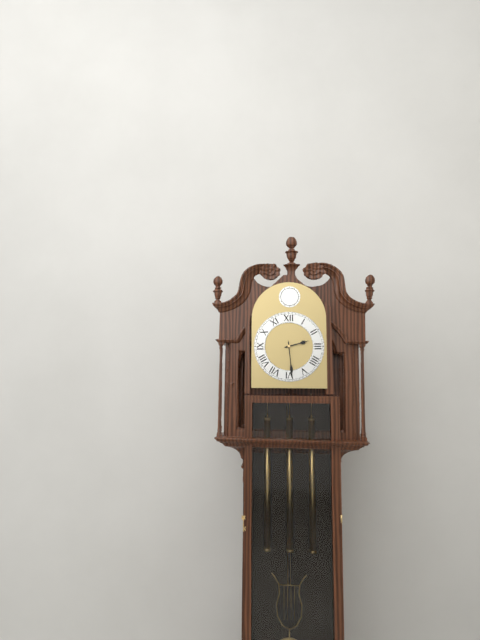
{"hour": 2, "minute": 29}
